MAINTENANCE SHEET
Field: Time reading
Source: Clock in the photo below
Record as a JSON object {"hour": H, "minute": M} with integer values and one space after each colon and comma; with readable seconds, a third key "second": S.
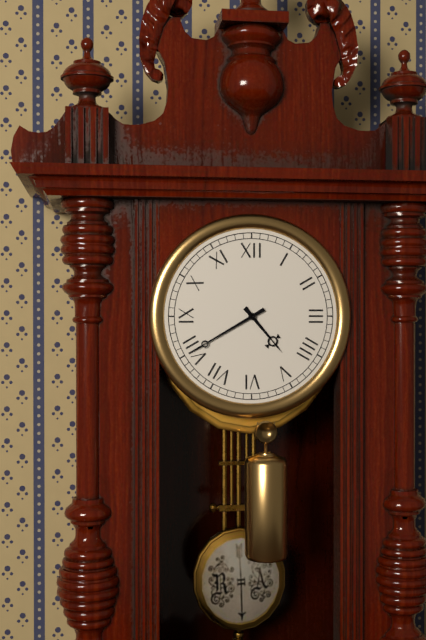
{"hour": 4, "minute": 40}
